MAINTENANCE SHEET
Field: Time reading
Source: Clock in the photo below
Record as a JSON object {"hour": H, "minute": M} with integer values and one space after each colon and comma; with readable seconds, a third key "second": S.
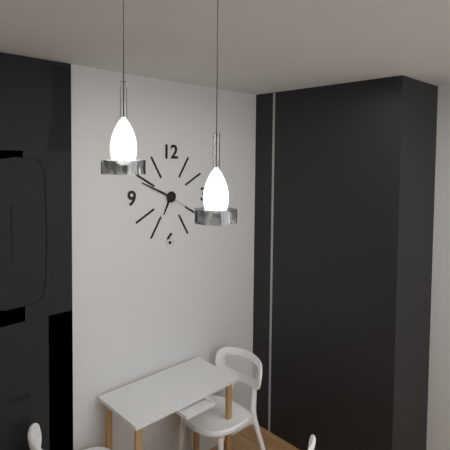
{"hour": 6, "minute": 49}
